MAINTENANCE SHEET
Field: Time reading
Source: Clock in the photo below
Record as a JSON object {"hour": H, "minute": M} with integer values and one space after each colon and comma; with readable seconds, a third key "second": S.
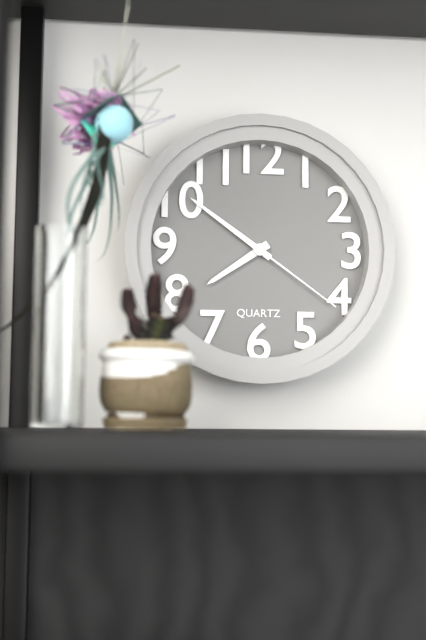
{"hour": 7, "minute": 51, "second": 21}
